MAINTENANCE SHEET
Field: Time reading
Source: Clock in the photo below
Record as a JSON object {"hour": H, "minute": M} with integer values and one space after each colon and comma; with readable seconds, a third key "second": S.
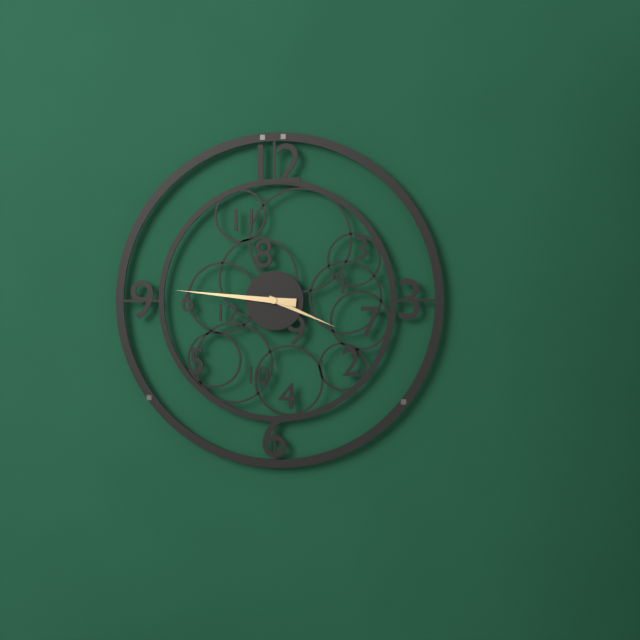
{"hour": 3, "minute": 46}
